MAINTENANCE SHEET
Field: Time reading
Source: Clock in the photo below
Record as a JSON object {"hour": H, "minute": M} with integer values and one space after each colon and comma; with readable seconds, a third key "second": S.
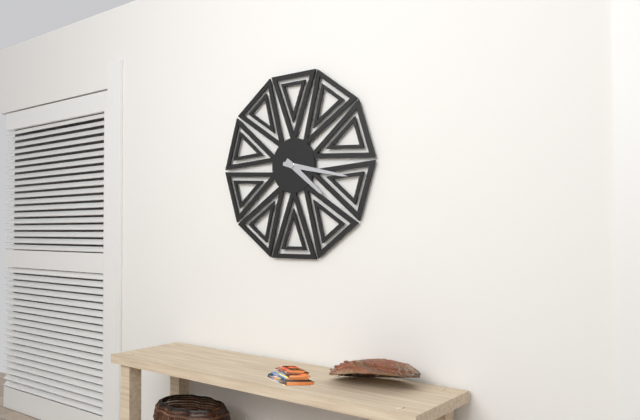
{"hour": 4, "minute": 17}
